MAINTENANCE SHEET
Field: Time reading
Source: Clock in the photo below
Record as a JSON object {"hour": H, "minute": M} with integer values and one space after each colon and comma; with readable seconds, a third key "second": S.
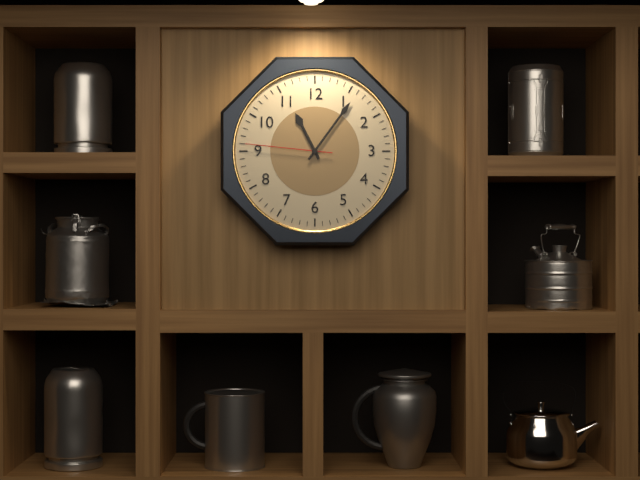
{"hour": 11, "minute": 6, "second": 46}
